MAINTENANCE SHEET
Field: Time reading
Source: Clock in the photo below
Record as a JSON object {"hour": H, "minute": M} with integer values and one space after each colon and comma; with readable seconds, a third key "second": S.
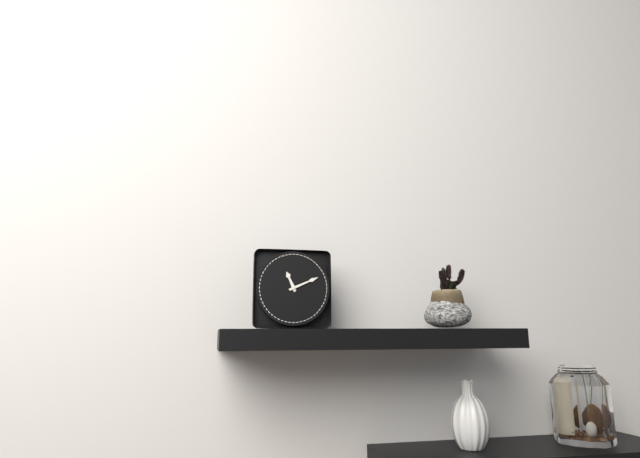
{"hour": 11, "minute": 11}
